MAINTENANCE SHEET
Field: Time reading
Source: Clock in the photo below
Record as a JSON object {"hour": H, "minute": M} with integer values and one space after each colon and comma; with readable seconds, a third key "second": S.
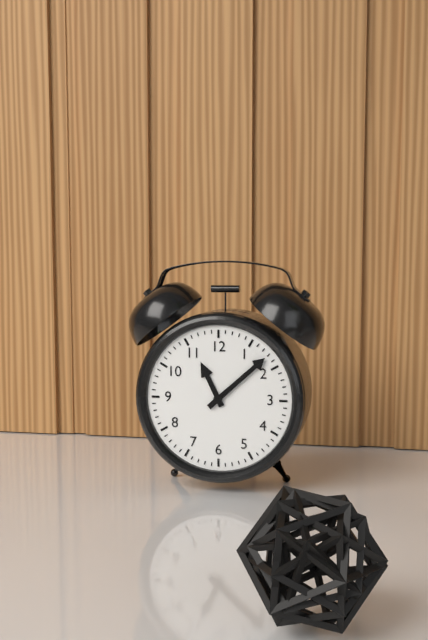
{"hour": 11, "minute": 8}
